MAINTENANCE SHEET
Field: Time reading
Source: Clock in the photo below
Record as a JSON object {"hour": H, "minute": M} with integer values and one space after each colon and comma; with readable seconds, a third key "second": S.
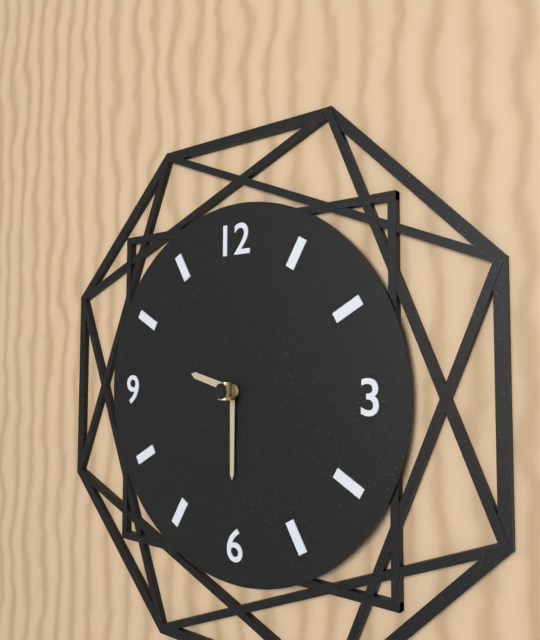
{"hour": 9, "minute": 30}
